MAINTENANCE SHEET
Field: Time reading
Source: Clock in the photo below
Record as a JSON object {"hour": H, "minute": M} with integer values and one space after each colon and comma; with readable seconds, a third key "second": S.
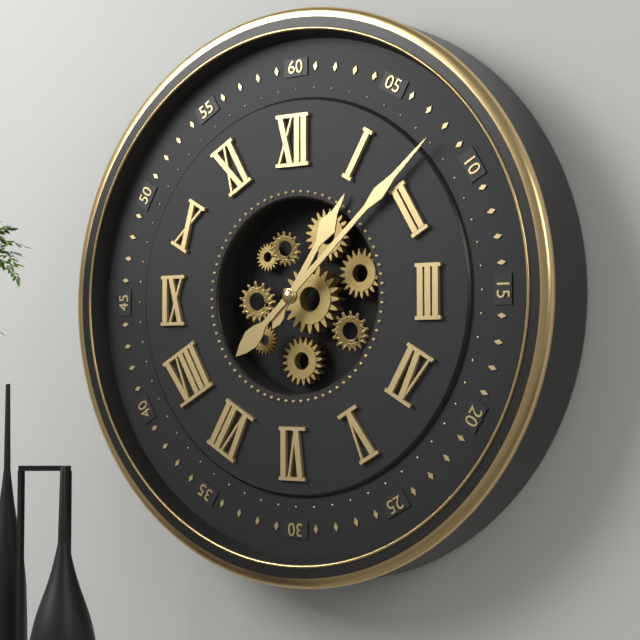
{"hour": 1, "minute": 8}
